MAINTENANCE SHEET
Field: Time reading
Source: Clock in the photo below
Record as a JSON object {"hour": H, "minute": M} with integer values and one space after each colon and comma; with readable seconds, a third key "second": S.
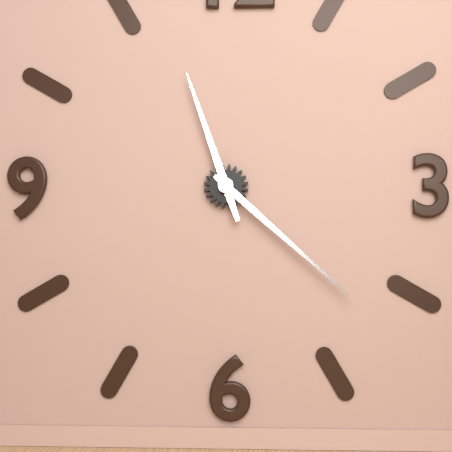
{"hour": 11, "minute": 22}
